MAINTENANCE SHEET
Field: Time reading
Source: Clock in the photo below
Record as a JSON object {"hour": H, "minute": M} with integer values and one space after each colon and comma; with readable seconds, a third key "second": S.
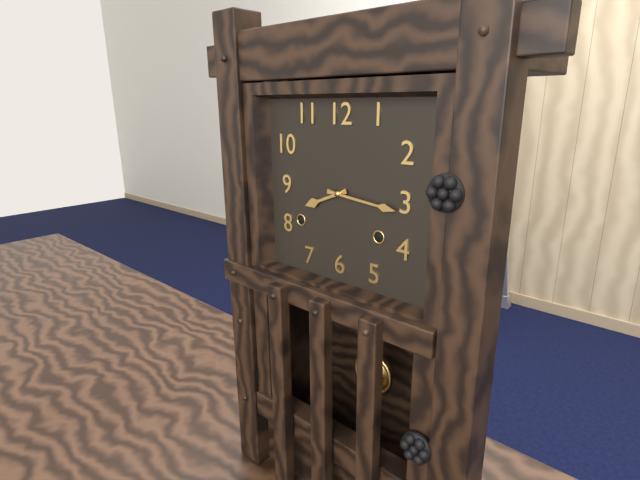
{"hour": 8, "minute": 16}
